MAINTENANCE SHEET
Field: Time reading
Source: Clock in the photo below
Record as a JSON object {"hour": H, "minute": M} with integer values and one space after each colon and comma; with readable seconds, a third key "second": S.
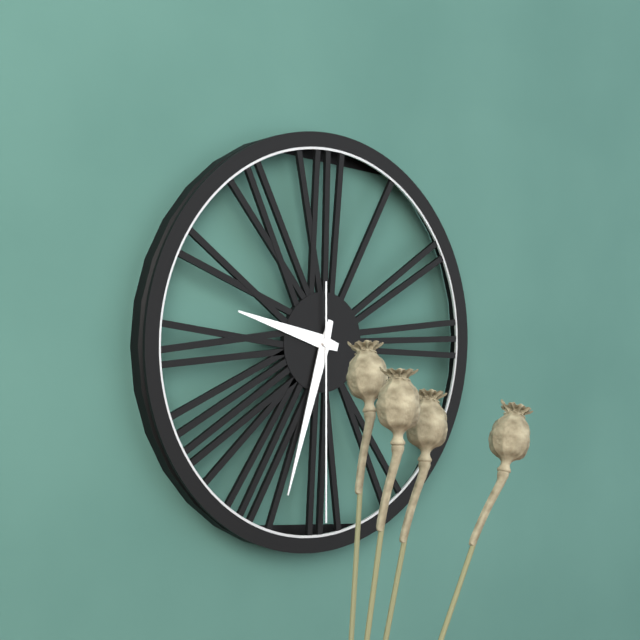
{"hour": 9, "minute": 33, "second": 30}
